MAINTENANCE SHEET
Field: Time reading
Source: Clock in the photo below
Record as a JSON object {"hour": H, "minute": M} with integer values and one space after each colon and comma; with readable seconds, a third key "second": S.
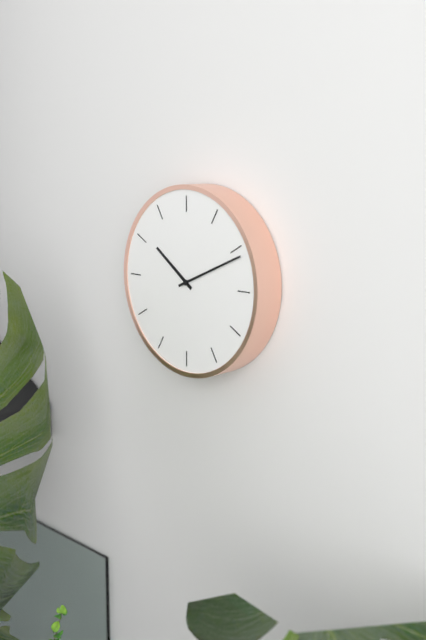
{"hour": 10, "minute": 11}
